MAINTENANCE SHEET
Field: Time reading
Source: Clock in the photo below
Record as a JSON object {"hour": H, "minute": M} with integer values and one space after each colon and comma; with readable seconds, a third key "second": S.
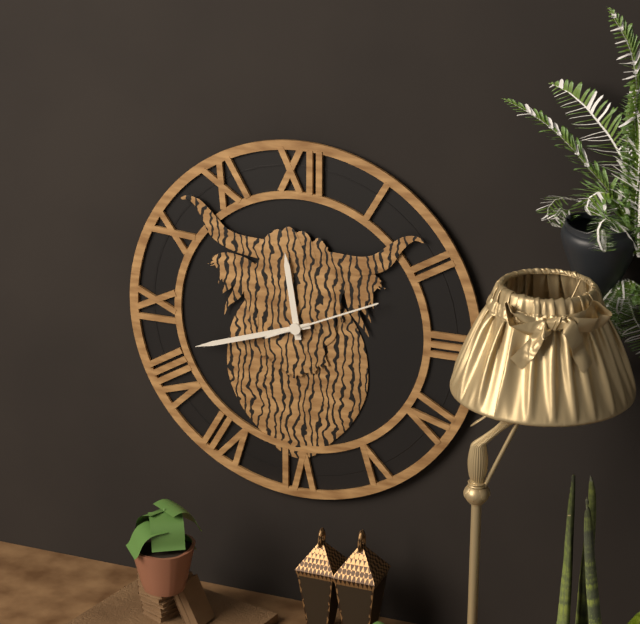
{"hour": 11, "minute": 42, "second": 11}
